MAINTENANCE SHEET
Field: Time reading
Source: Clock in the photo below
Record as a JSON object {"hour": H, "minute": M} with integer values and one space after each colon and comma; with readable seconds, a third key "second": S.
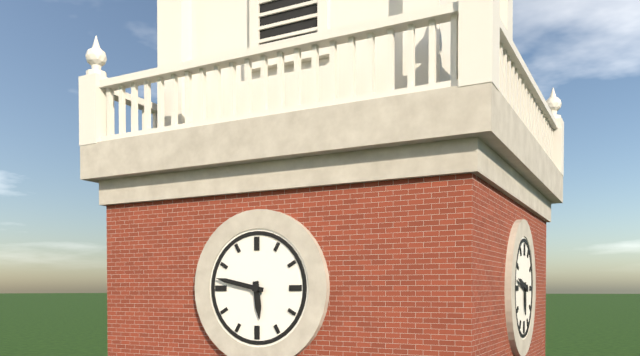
{"hour": 5, "minute": 47}
